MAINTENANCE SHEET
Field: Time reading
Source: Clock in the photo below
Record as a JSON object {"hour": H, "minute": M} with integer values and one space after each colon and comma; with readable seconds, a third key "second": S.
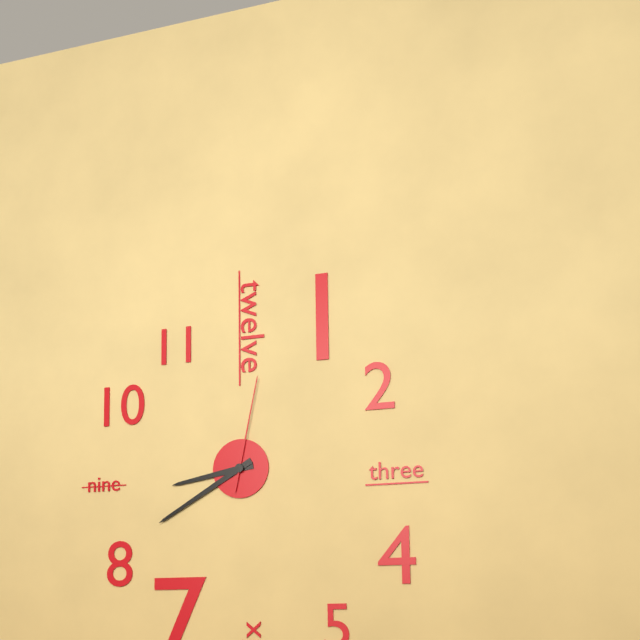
{"hour": 8, "minute": 40, "second": 2}
